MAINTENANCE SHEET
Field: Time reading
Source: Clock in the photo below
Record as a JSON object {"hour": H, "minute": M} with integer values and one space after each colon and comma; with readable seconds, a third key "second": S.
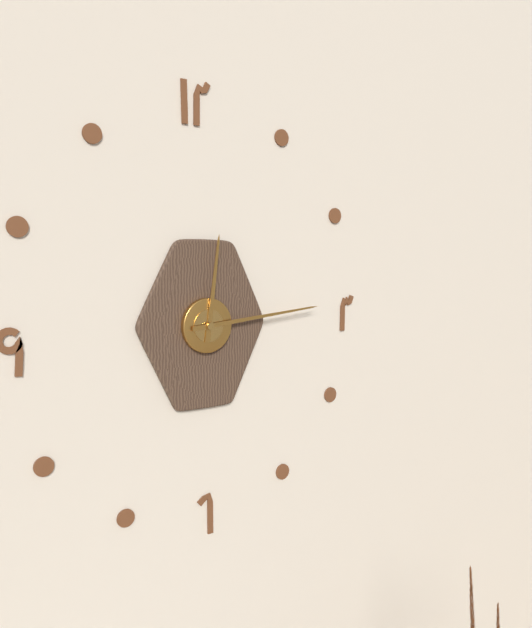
{"hour": 12, "minute": 14}
